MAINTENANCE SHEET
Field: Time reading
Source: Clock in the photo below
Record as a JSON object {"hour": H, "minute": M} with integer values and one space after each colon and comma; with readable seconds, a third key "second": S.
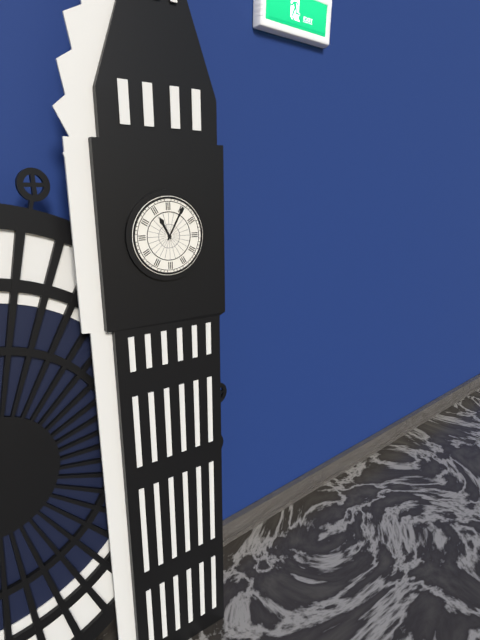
{"hour": 11, "minute": 5}
